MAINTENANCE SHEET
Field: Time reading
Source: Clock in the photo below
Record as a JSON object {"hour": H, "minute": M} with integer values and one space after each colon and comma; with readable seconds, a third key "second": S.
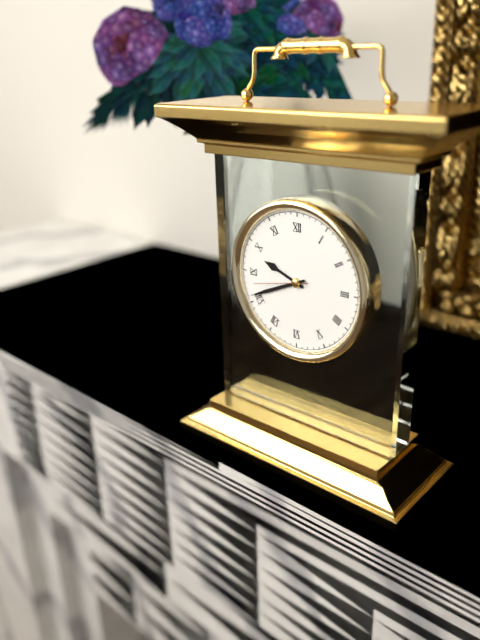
{"hour": 9, "minute": 41, "second": 43}
